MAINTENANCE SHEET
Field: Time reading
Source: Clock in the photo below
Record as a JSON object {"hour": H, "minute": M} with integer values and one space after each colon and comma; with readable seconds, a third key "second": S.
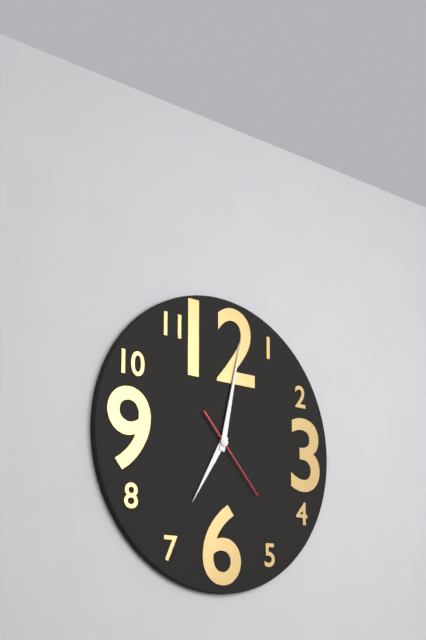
{"hour": 7, "minute": 2, "second": 23}
